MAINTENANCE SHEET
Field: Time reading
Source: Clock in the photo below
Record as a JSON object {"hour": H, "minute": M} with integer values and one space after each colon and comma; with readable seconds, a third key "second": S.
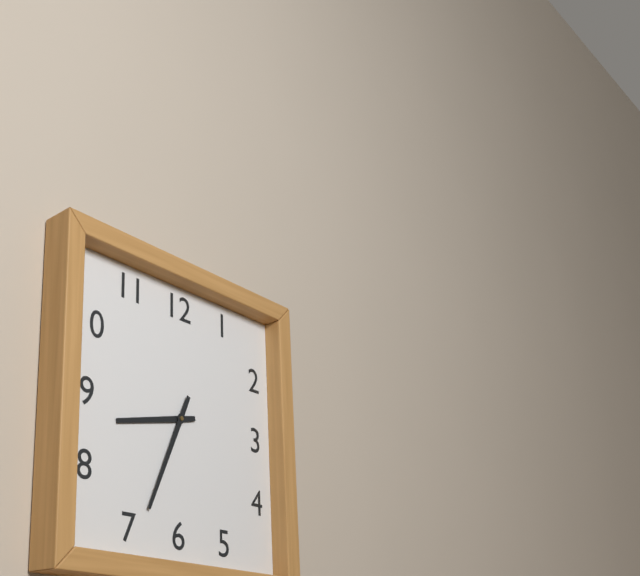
{"hour": 8, "minute": 34}
